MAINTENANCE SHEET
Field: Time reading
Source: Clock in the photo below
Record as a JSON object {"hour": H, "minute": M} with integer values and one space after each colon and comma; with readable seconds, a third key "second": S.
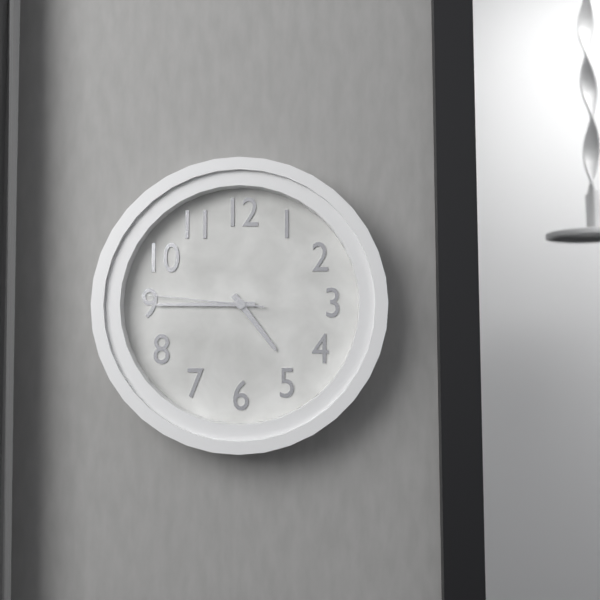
{"hour": 4, "minute": 45, "second": 46}
